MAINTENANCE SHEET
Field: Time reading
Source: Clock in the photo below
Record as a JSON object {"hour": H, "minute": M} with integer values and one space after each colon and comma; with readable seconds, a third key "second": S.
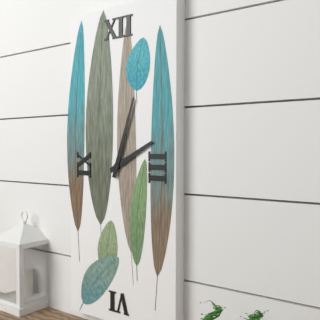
{"hour": 2, "minute": 3}
